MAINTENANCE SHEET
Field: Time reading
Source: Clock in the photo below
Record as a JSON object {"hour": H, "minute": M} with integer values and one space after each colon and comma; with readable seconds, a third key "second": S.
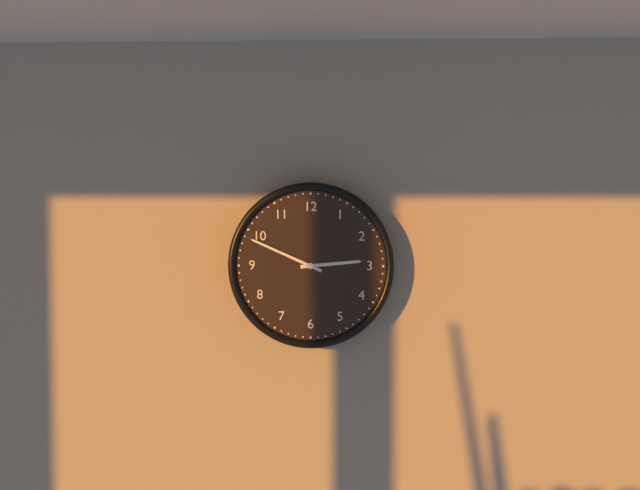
{"hour": 2, "minute": 49}
